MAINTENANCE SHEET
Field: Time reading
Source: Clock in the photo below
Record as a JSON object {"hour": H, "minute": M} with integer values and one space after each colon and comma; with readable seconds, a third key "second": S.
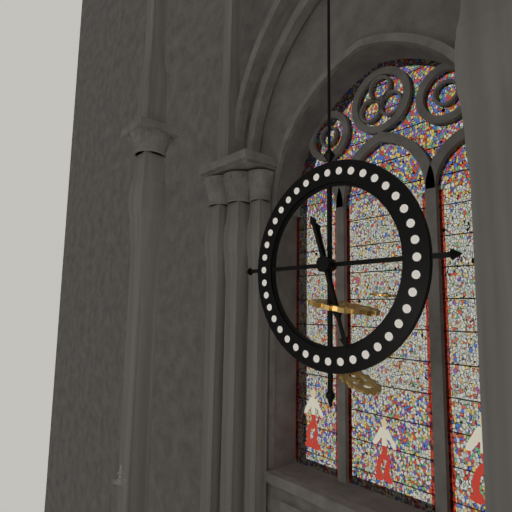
{"hour": 5, "minute": 27}
